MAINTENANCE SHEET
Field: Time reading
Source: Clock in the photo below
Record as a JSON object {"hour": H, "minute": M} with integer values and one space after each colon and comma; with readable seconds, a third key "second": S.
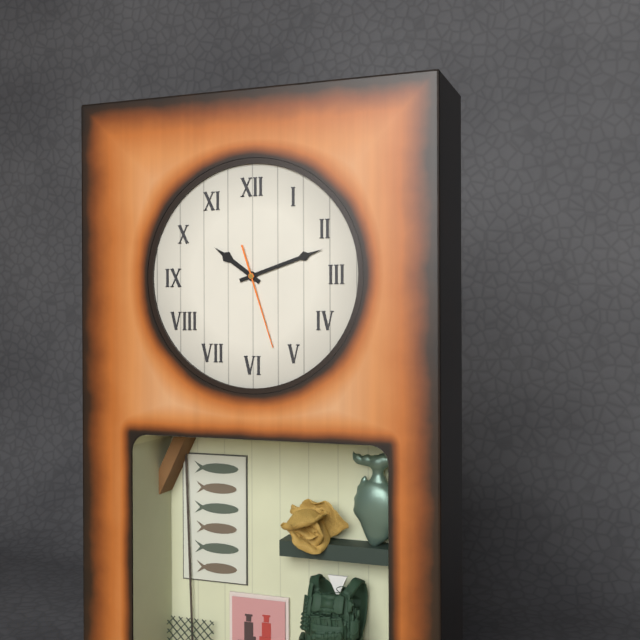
{"hour": 10, "minute": 12, "second": 27}
